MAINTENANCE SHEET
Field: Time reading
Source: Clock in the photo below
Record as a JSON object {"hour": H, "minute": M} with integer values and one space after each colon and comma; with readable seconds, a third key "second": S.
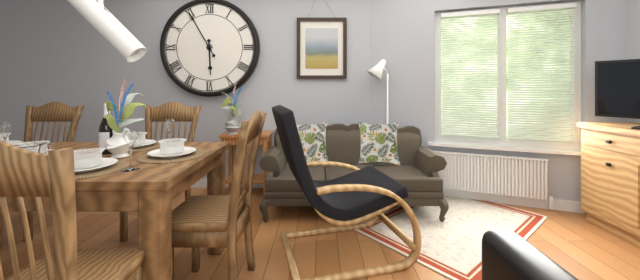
{"hour": 5, "minute": 55}
